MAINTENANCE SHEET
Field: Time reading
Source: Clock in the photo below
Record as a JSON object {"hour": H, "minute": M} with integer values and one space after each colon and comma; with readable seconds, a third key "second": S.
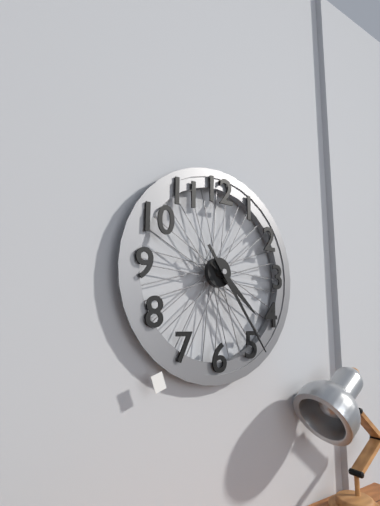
{"hour": 4, "minute": 24}
